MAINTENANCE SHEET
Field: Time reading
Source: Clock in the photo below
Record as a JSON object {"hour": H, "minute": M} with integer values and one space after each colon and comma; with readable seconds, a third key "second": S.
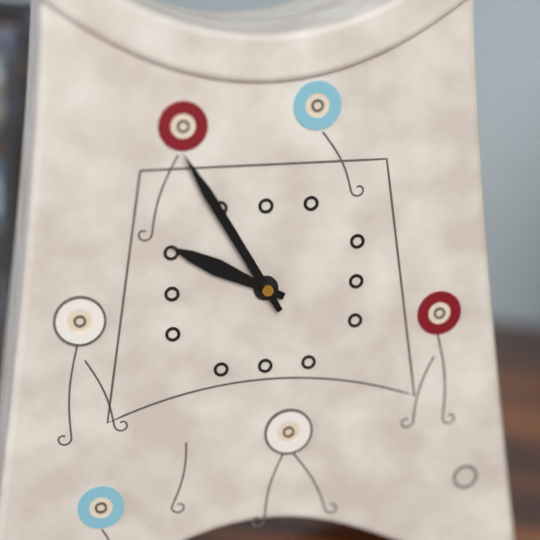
{"hour": 9, "minute": 55}
